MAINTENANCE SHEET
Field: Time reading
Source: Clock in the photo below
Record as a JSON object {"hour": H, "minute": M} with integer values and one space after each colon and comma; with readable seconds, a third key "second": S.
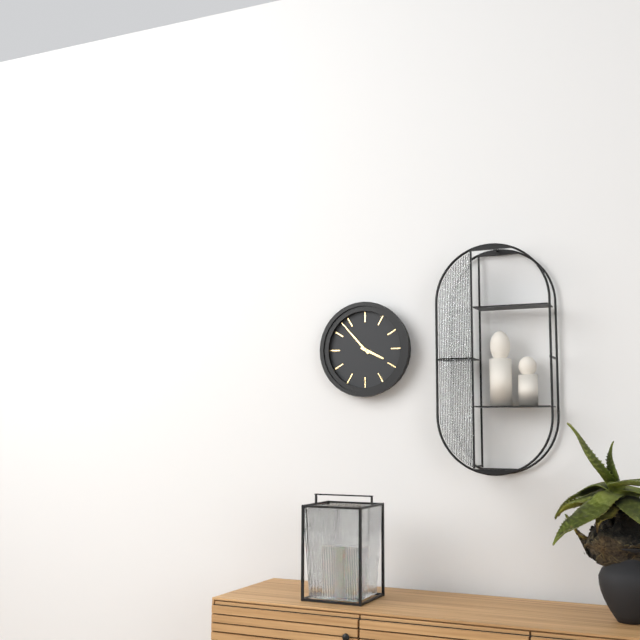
{"hour": 3, "minute": 53}
